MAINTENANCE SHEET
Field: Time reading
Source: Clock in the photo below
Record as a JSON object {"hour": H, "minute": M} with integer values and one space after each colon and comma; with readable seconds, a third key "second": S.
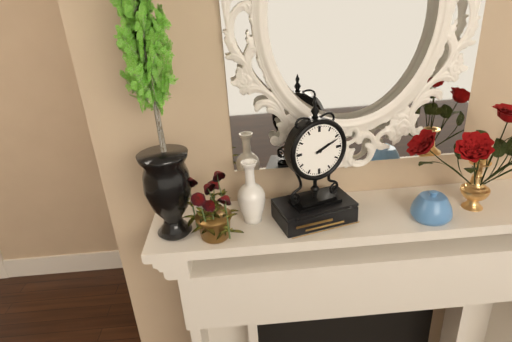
{"hour": 2, "minute": 11}
